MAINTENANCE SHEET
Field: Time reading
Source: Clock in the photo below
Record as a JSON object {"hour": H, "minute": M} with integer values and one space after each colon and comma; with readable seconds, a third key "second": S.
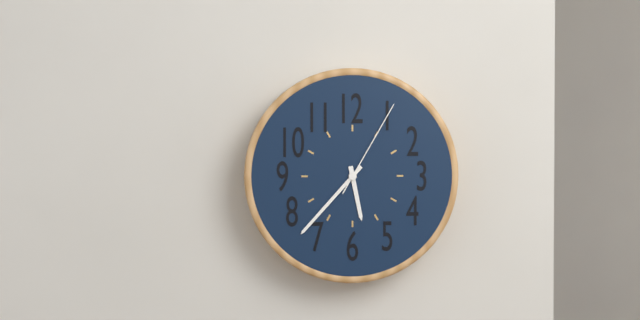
{"hour": 5, "minute": 37, "second": 5}
